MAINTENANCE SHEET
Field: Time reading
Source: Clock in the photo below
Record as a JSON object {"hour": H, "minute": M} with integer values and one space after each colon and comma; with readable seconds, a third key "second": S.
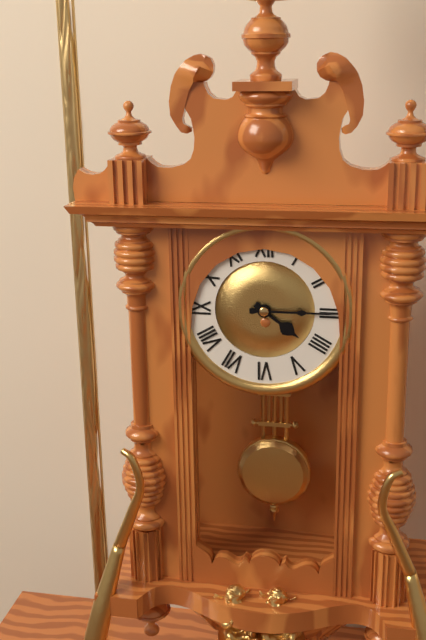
{"hour": 4, "minute": 15}
